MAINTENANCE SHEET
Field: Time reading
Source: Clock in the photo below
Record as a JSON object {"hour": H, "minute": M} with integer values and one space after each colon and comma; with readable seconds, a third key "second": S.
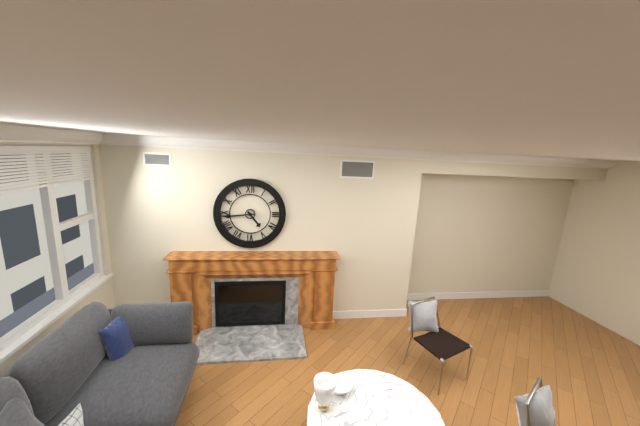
{"hour": 4, "minute": 44}
